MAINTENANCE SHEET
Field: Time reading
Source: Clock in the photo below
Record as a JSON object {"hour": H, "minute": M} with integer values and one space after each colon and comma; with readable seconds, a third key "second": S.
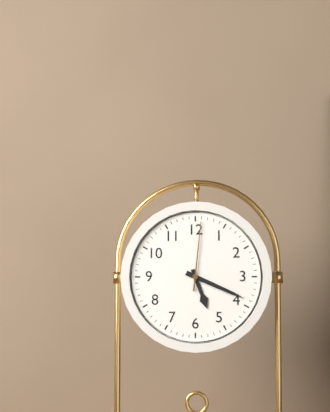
{"hour": 5, "minute": 19, "second": 1}
